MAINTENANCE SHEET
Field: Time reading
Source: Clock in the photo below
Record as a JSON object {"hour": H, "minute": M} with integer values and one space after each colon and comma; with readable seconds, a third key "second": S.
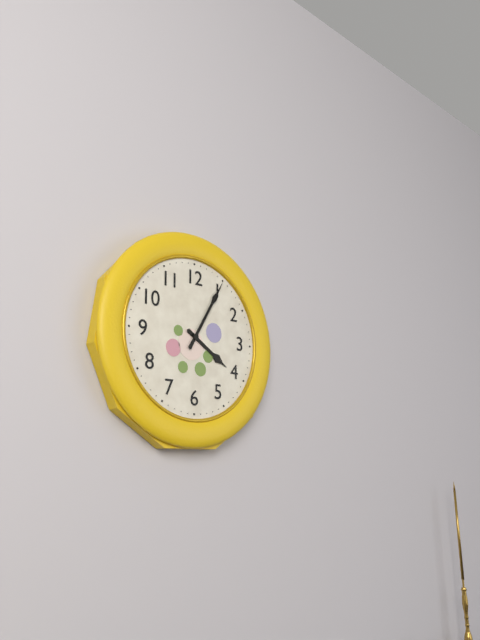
{"hour": 4, "minute": 5}
